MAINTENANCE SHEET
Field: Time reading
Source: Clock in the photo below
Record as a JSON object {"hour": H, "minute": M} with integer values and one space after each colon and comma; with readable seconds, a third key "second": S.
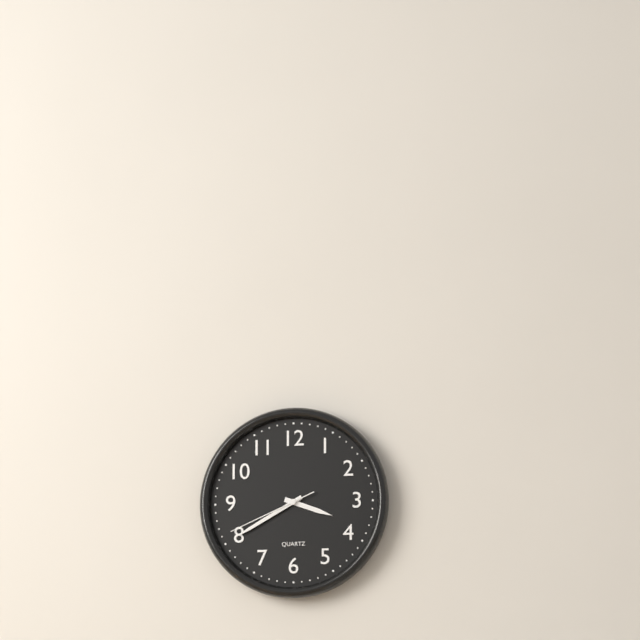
{"hour": 3, "minute": 40, "second": 41}
